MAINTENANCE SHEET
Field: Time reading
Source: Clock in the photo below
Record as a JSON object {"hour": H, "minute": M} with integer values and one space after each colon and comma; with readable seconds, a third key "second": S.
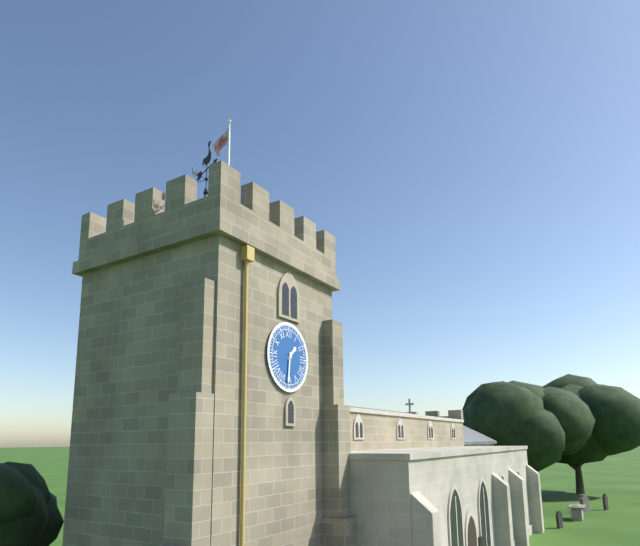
{"hour": 1, "minute": 31}
